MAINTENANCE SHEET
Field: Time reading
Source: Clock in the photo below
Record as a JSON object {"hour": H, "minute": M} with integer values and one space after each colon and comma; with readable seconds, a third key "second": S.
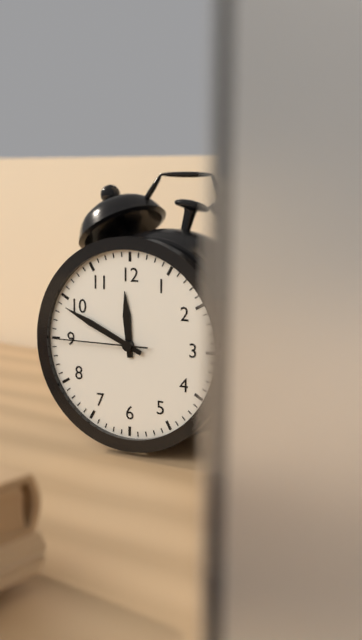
{"hour": 11, "minute": 49, "second": 45}
